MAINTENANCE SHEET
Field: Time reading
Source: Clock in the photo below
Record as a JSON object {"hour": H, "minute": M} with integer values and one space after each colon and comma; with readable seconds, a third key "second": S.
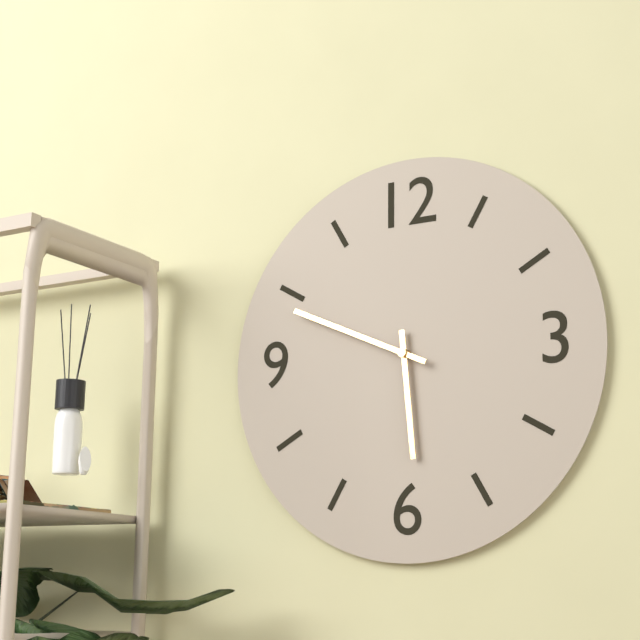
{"hour": 5, "minute": 49}
